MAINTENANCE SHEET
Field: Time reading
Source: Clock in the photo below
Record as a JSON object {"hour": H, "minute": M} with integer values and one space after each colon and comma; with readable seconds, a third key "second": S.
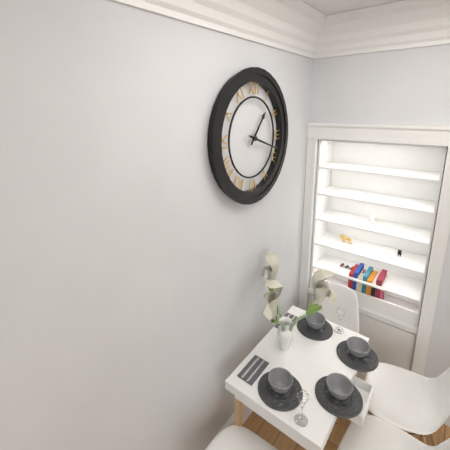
{"hour": 1, "minute": 18}
